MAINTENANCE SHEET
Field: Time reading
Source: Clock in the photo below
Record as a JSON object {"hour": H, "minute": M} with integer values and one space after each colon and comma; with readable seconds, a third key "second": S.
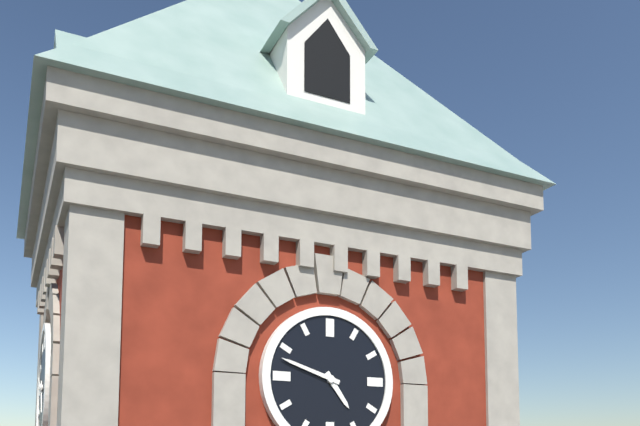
{"hour": 4, "minute": 48}
